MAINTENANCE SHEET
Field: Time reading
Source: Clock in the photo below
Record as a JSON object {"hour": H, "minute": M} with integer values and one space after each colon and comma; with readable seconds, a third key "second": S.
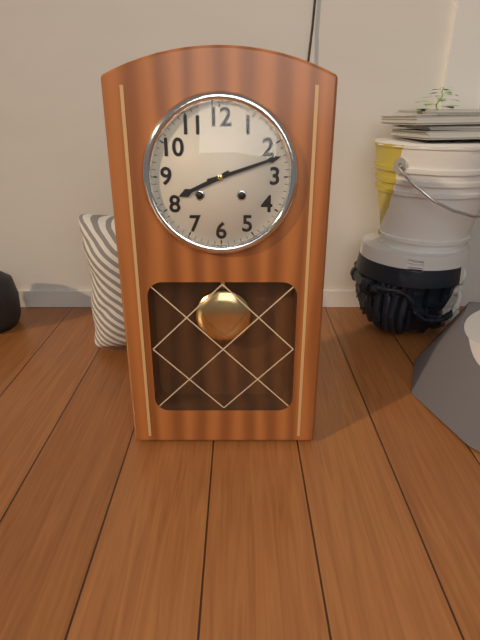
{"hour": 8, "minute": 12}
